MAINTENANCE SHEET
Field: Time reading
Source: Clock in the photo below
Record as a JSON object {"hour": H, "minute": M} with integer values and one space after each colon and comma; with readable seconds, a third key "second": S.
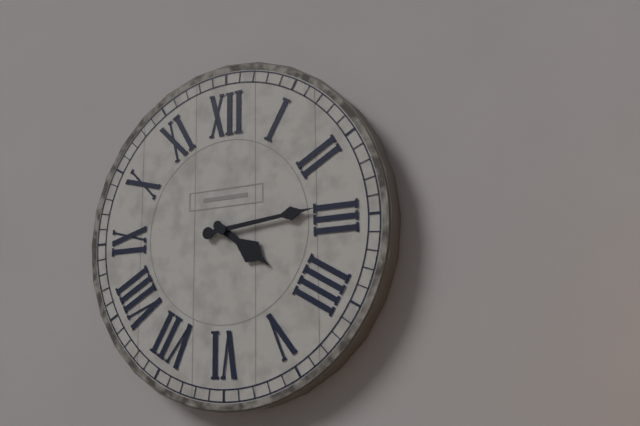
{"hour": 4, "minute": 14}
